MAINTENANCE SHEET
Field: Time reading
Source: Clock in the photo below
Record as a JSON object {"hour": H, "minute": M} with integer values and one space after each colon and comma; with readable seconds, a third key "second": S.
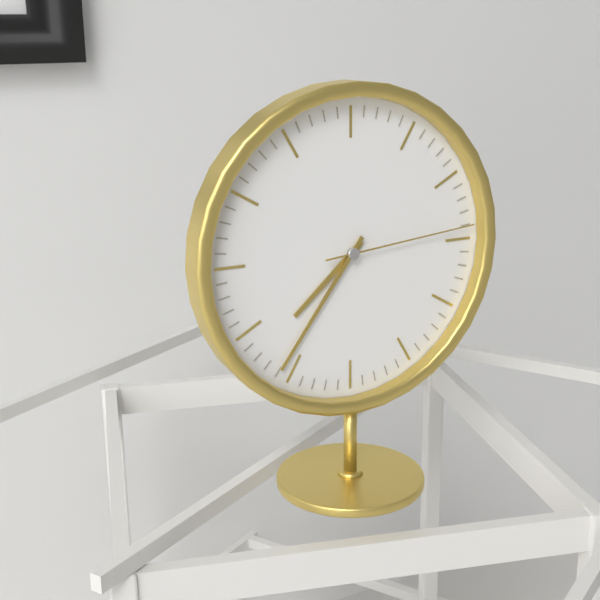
{"hour": 7, "minute": 36, "second": 14}
